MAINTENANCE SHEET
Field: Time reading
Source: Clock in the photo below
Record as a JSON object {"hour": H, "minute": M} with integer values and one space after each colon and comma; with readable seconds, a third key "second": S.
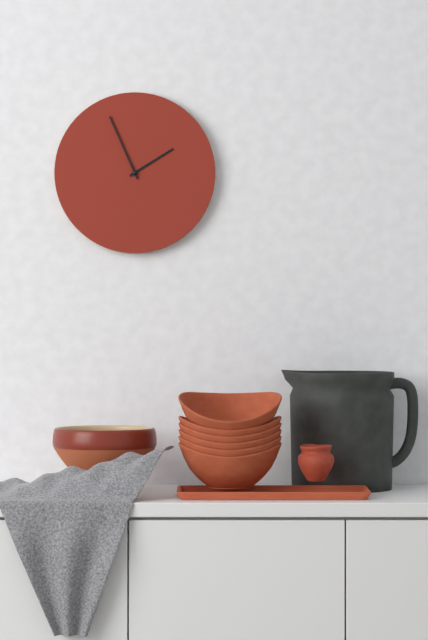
{"hour": 1, "minute": 56}
